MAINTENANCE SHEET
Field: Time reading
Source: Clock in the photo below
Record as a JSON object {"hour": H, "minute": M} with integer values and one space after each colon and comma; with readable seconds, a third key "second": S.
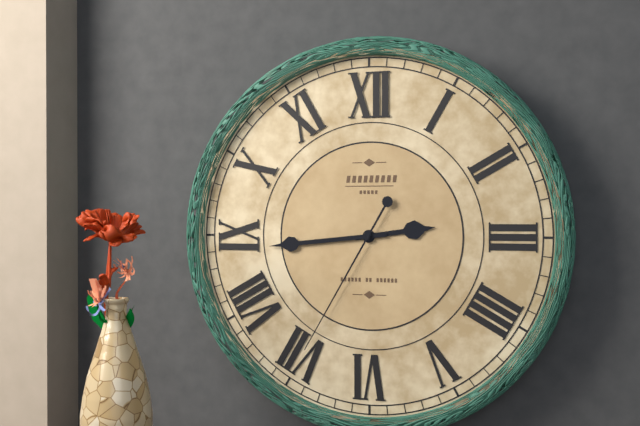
{"hour": 2, "minute": 44, "second": 35}
